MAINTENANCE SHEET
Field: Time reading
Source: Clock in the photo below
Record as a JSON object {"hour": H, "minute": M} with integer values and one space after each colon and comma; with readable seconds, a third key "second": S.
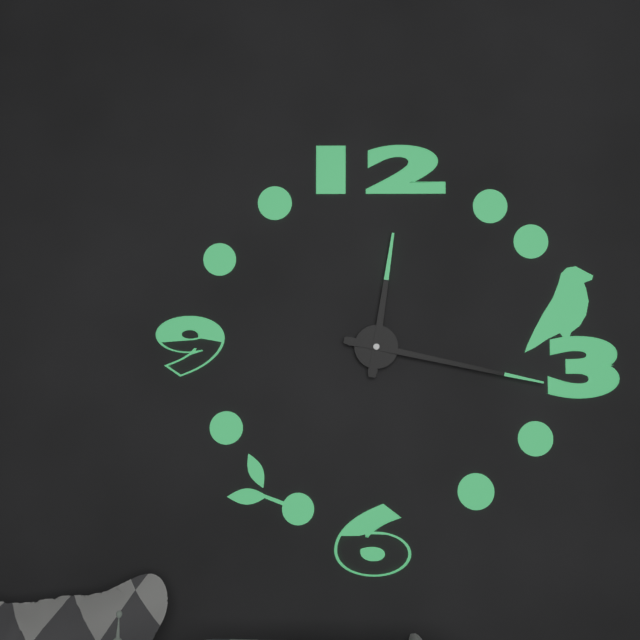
{"hour": 12, "minute": 17}
